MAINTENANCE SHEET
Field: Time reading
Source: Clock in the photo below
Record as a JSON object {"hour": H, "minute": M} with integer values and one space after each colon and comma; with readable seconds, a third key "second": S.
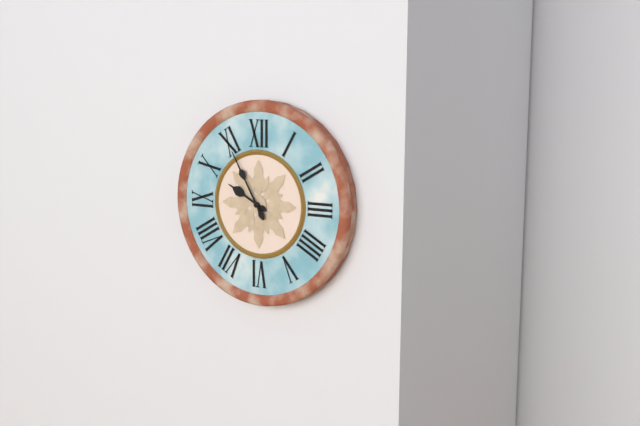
{"hour": 9, "minute": 55}
